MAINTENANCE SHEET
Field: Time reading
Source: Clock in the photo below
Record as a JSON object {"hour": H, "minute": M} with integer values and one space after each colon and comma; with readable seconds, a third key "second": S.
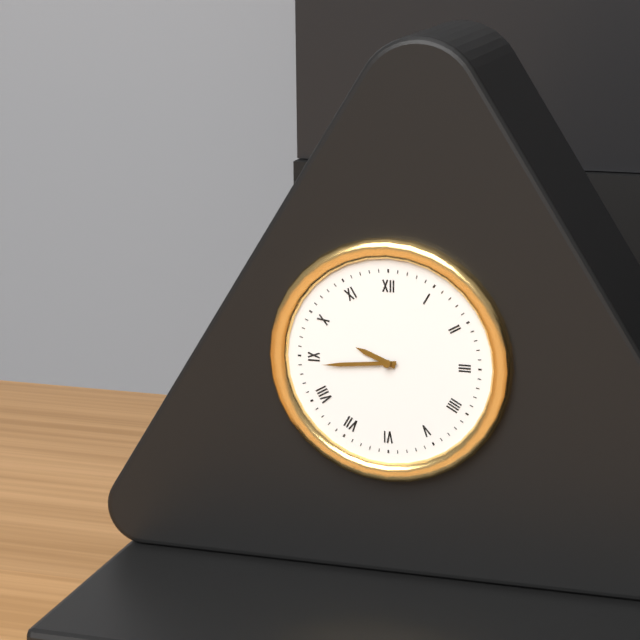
{"hour": 9, "minute": 44}
